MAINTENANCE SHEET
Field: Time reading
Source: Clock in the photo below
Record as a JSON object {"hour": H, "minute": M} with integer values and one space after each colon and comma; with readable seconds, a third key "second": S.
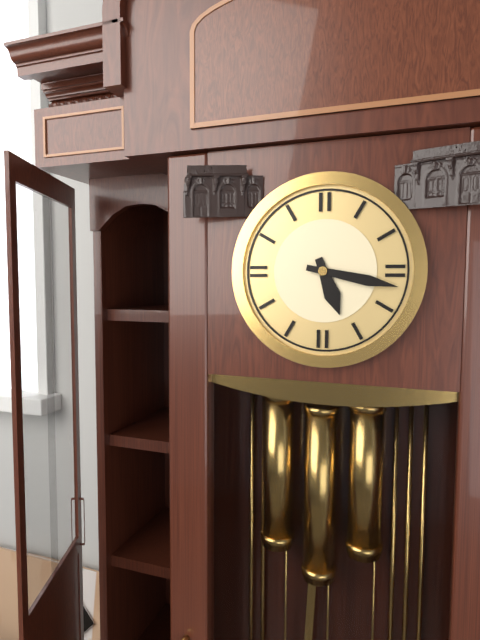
{"hour": 5, "minute": 17}
